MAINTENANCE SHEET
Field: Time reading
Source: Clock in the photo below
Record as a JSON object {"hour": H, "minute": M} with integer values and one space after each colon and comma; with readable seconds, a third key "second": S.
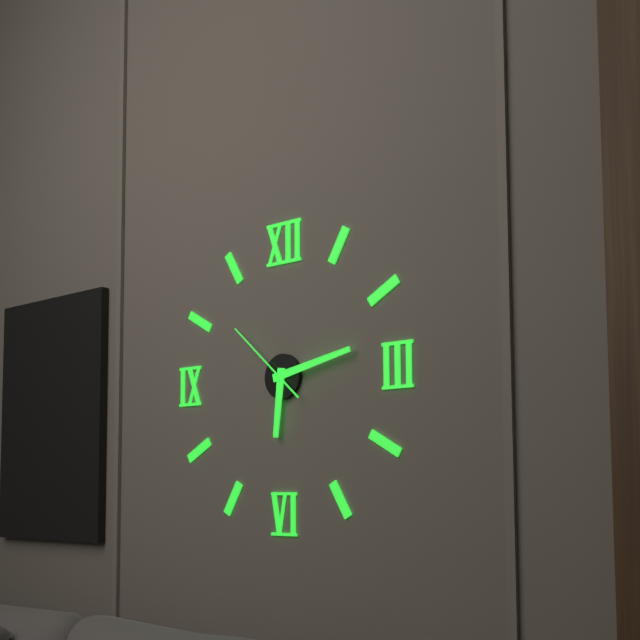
{"hour": 6, "minute": 13, "second": 52}
